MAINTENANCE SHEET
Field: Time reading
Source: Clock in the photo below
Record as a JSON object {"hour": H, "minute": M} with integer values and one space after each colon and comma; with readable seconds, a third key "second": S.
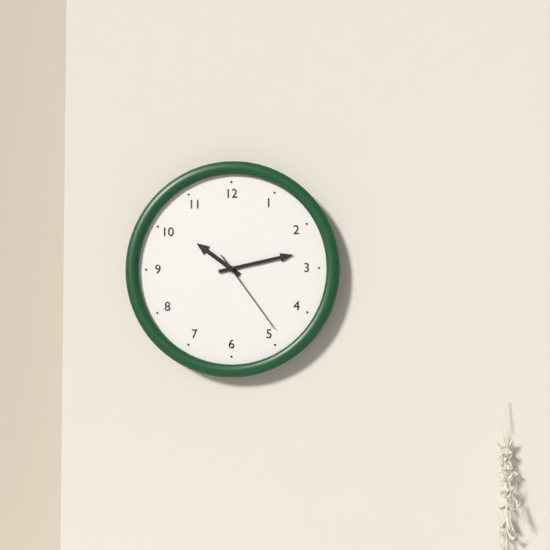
{"hour": 10, "minute": 13, "second": 24}
